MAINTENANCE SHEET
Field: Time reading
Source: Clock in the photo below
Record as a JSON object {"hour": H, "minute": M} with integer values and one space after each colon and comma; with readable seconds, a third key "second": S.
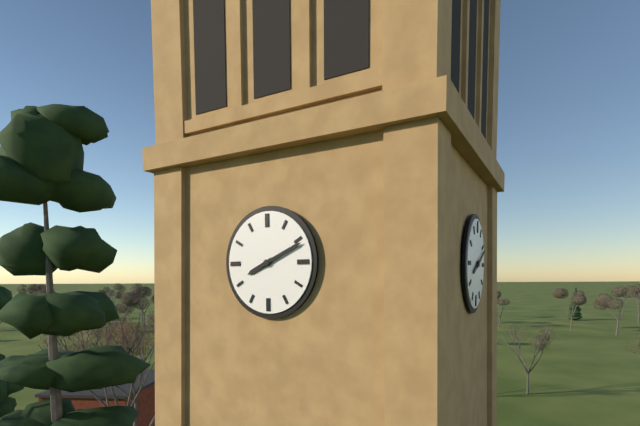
{"hour": 8, "minute": 11}
